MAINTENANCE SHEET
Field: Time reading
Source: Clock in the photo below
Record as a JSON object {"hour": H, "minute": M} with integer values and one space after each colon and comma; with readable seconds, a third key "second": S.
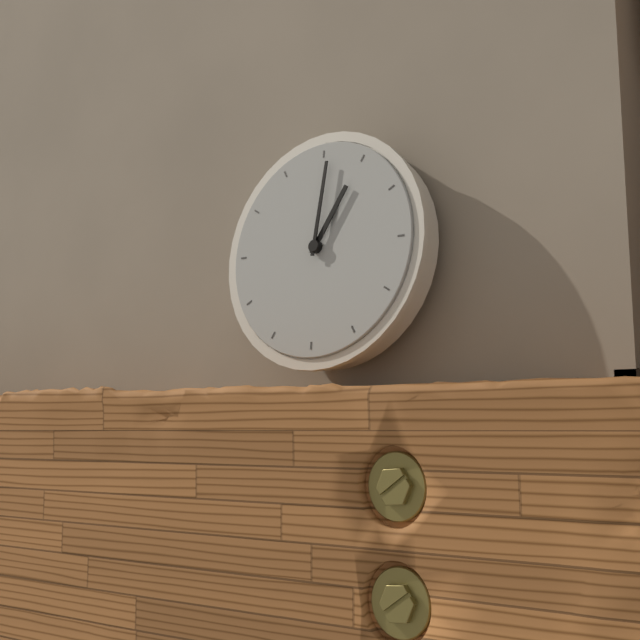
{"hour": 1, "minute": 1}
